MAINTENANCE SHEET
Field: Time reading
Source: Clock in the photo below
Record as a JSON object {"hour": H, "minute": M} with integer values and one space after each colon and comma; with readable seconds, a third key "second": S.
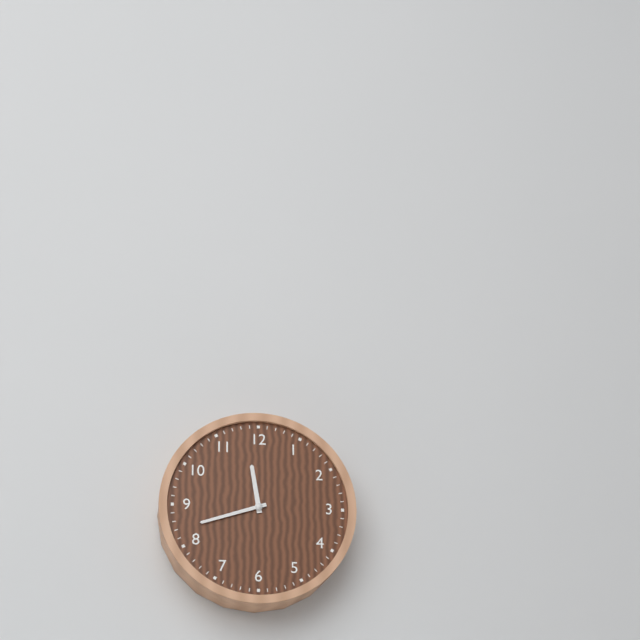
{"hour": 11, "minute": 42}
